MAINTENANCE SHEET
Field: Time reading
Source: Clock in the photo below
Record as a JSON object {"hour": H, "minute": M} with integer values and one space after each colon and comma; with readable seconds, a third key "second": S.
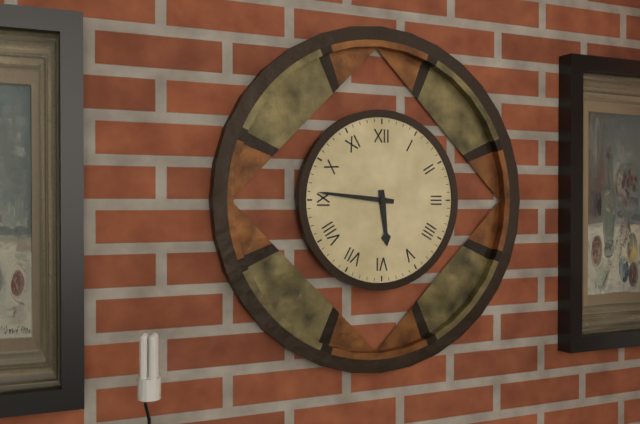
{"hour": 5, "minute": 46}
